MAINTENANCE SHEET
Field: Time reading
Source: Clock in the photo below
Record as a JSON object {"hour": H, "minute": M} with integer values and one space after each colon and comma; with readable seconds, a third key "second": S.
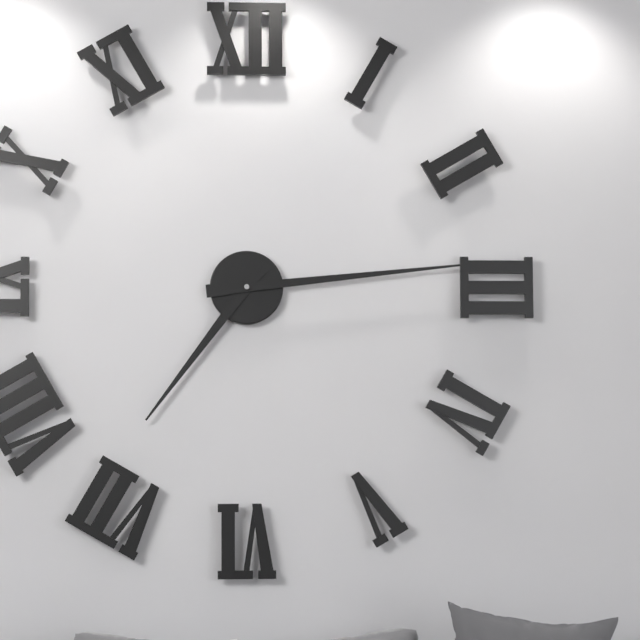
{"hour": 7, "minute": 14}
